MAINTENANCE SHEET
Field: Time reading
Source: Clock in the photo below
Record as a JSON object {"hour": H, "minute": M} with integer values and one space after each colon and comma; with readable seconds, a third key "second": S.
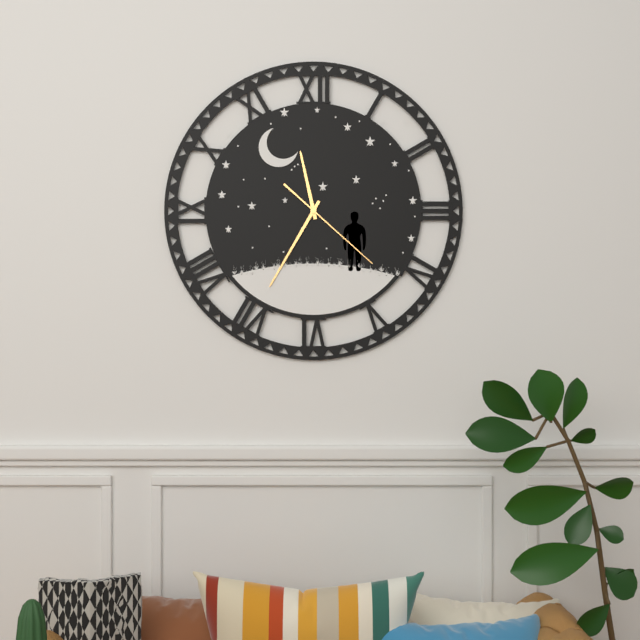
{"hour": 11, "minute": 35, "second": 22}
